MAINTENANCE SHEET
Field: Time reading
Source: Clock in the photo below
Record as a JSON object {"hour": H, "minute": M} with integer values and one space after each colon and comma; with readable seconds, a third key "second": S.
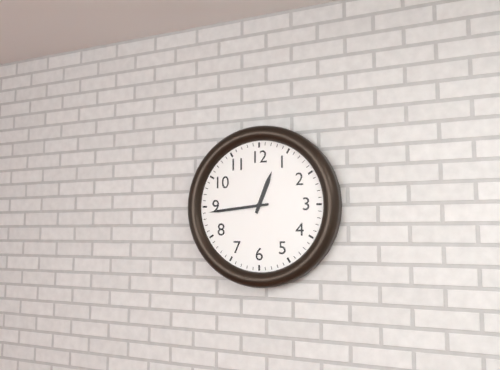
{"hour": 12, "minute": 44}
